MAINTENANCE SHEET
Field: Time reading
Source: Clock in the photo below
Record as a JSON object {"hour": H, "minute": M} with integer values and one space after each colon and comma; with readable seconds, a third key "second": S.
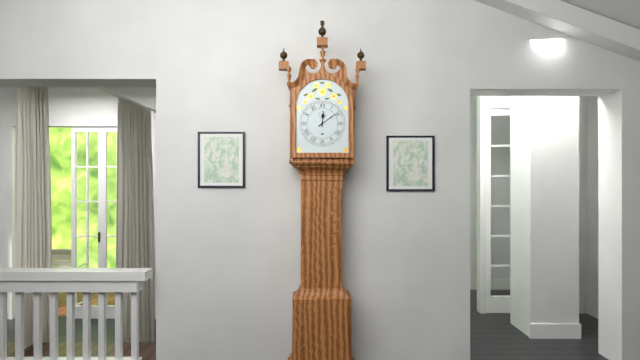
{"hour": 12, "minute": 9}
